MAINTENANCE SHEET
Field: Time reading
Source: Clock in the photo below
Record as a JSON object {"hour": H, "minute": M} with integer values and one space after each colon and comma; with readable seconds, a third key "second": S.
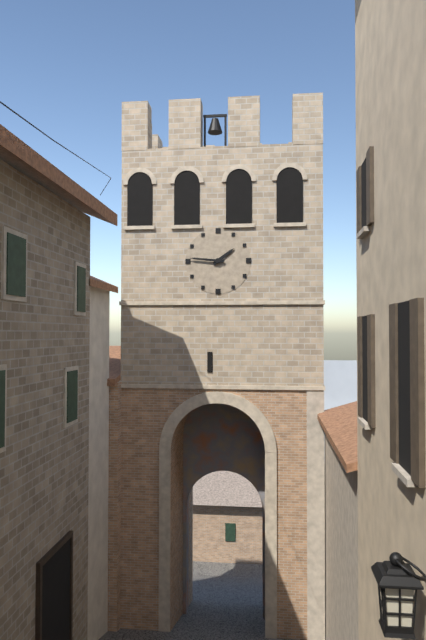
{"hour": 1, "minute": 46}
